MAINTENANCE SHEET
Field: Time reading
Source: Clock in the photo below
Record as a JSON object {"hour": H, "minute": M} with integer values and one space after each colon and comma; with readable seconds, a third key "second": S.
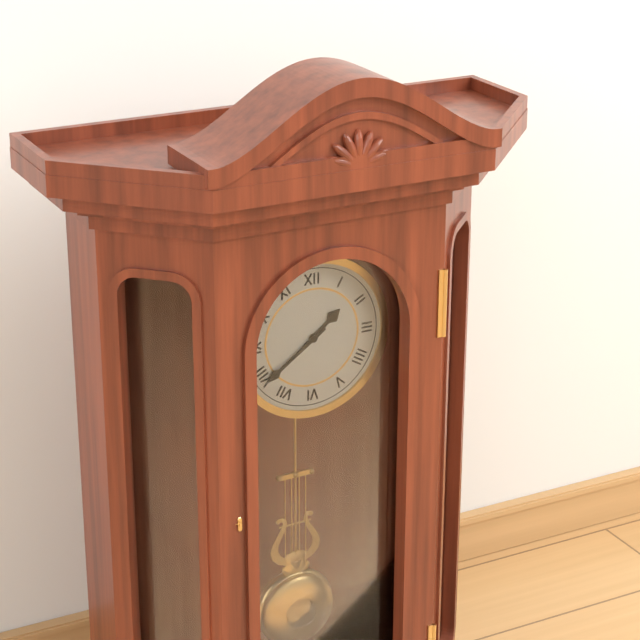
{"hour": 1, "minute": 39}
